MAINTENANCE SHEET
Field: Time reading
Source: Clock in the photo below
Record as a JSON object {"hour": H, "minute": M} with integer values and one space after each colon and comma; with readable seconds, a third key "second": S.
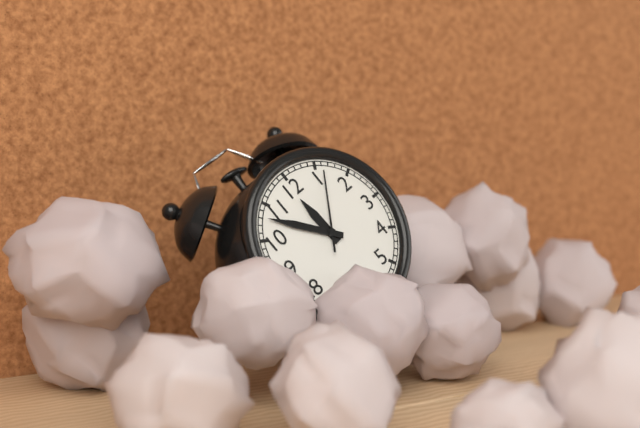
{"hour": 11, "minute": 53, "second": 6}
